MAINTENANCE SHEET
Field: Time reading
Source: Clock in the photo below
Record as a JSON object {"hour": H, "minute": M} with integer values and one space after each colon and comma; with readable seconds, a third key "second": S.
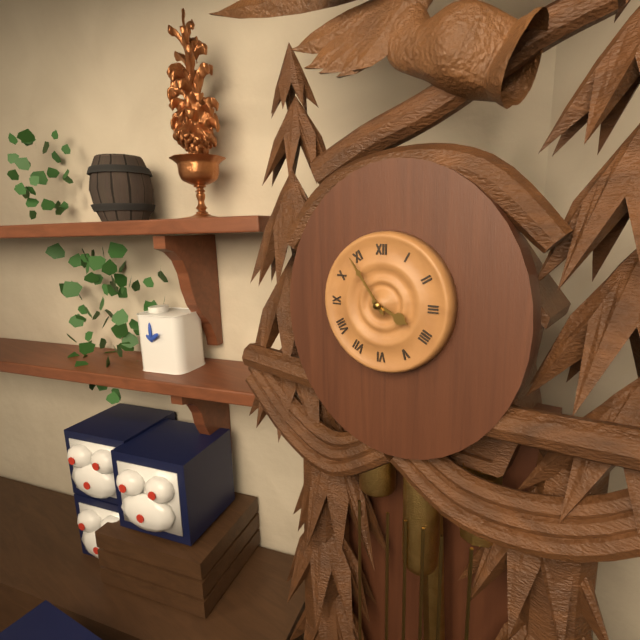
{"hour": 3, "minute": 54}
